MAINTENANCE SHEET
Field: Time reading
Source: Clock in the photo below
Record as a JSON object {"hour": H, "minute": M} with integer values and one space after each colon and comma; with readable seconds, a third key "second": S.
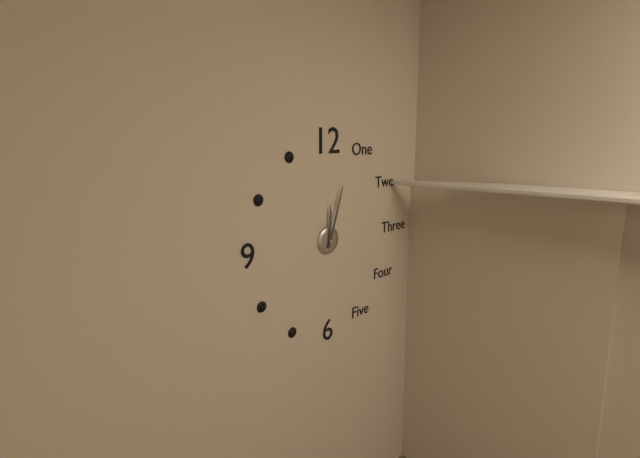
{"hour": 12, "minute": 3}
